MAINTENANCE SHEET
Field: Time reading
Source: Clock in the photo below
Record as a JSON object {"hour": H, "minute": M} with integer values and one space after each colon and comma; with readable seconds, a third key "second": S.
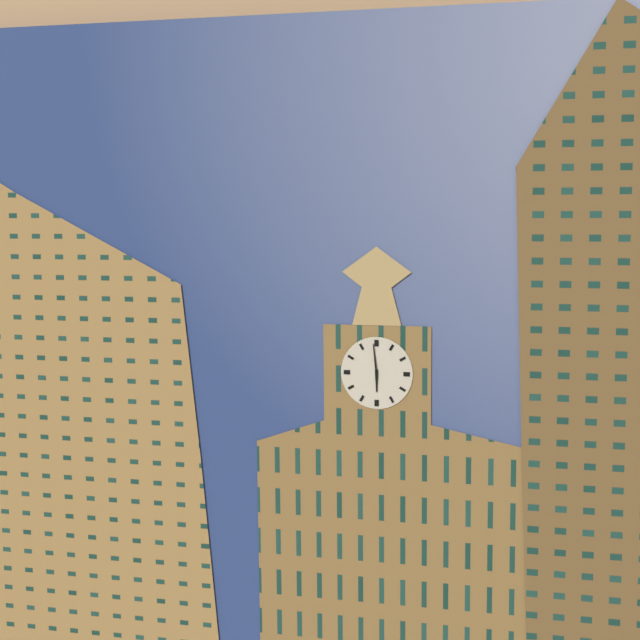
{"hour": 5, "minute": 59}
